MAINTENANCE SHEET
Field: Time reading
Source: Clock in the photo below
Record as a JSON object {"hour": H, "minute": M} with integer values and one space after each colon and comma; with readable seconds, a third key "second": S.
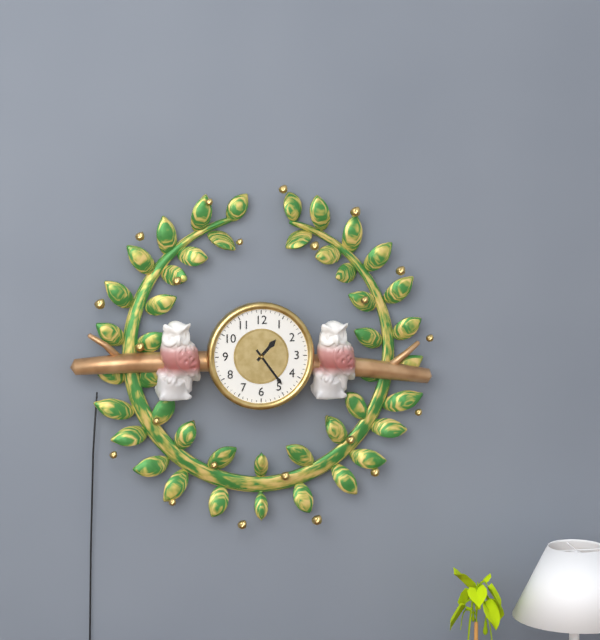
{"hour": 1, "minute": 24}
